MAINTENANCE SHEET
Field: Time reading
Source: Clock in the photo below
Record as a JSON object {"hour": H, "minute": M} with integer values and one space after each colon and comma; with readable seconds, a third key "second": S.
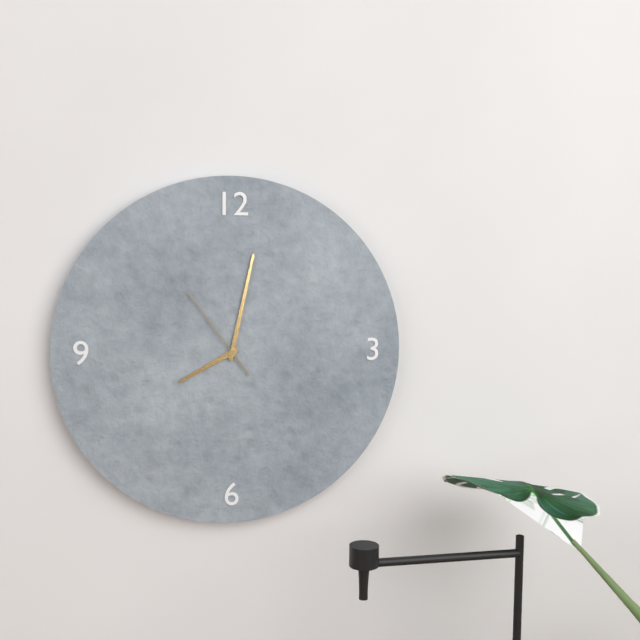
{"hour": 8, "minute": 2, "second": 54}
